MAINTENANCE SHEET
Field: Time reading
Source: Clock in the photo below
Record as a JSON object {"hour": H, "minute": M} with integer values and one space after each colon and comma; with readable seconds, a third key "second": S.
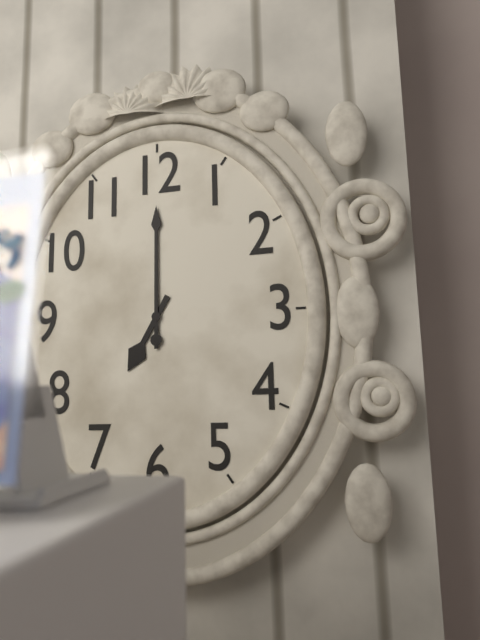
{"hour": 7, "minute": 0}
